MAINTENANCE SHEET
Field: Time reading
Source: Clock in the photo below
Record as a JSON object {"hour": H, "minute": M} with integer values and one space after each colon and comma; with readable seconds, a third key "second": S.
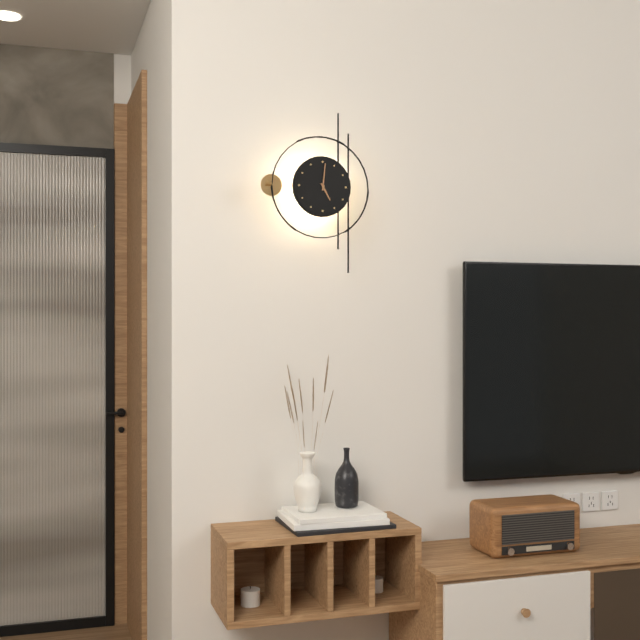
{"hour": 5, "minute": 1}
